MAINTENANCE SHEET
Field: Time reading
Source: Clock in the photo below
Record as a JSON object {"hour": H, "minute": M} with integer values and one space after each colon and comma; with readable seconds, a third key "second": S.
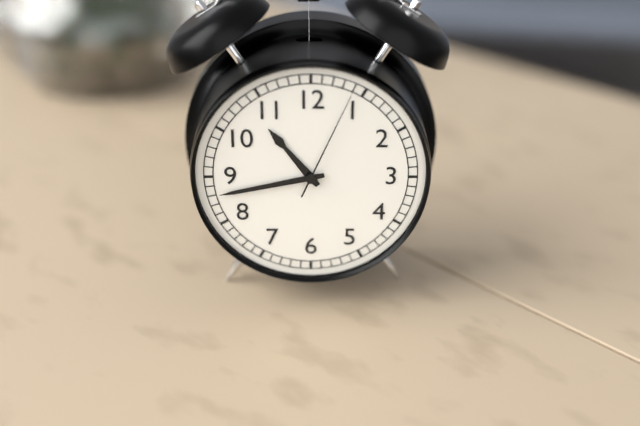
{"hour": 10, "minute": 43, "second": 4}
